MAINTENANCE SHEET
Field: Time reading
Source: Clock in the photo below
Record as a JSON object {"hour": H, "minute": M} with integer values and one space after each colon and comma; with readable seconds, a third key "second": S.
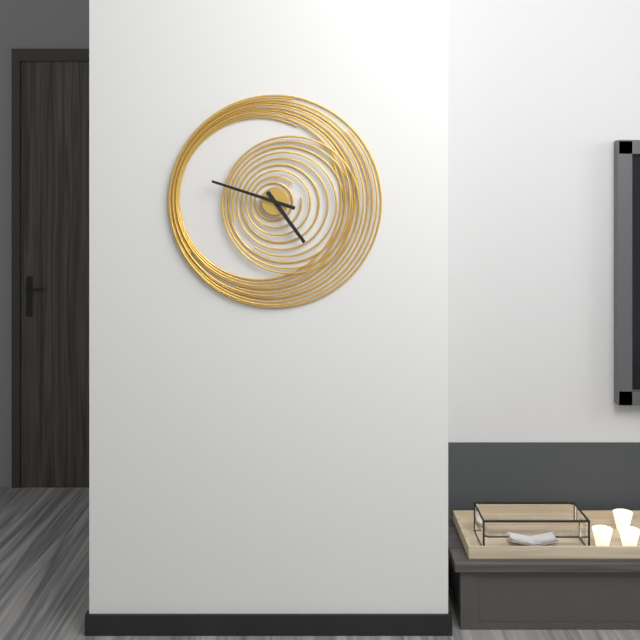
{"hour": 4, "minute": 48}
